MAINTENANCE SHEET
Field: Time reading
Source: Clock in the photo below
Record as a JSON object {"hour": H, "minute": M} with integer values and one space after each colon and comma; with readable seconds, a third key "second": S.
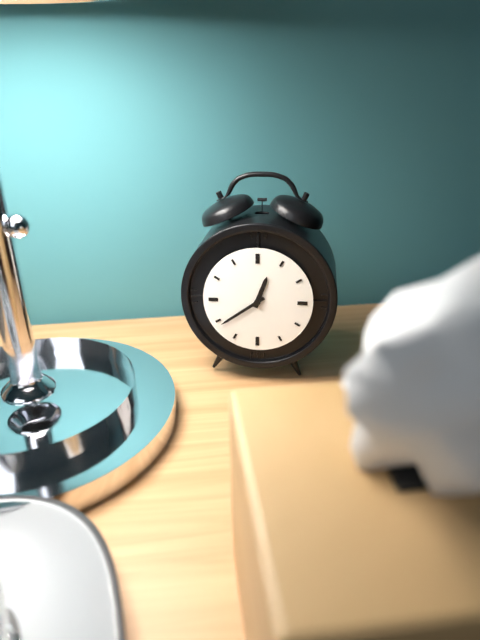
{"hour": 12, "minute": 39}
